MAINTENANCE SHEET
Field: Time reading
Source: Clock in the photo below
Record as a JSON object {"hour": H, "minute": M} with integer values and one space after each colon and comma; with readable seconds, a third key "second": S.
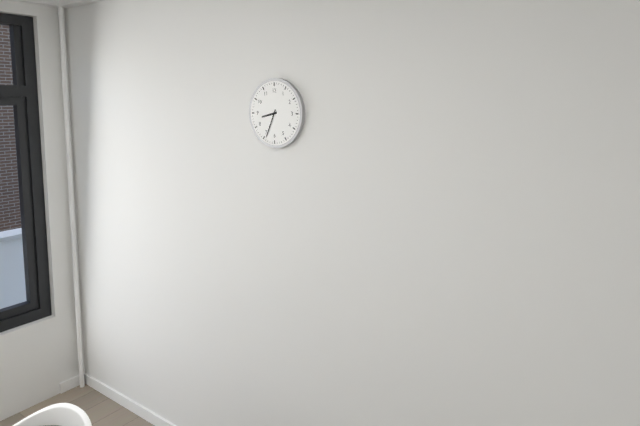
{"hour": 8, "minute": 34}
